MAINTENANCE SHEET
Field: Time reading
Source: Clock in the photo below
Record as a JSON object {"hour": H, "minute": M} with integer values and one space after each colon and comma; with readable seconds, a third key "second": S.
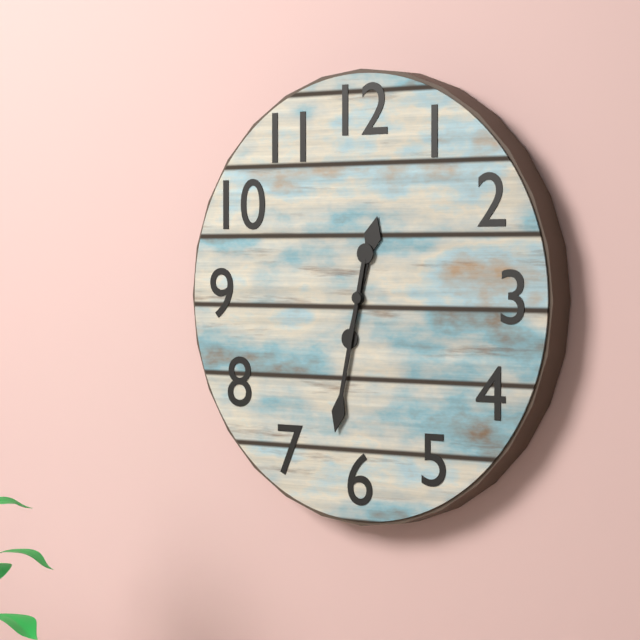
{"hour": 12, "minute": 32}
